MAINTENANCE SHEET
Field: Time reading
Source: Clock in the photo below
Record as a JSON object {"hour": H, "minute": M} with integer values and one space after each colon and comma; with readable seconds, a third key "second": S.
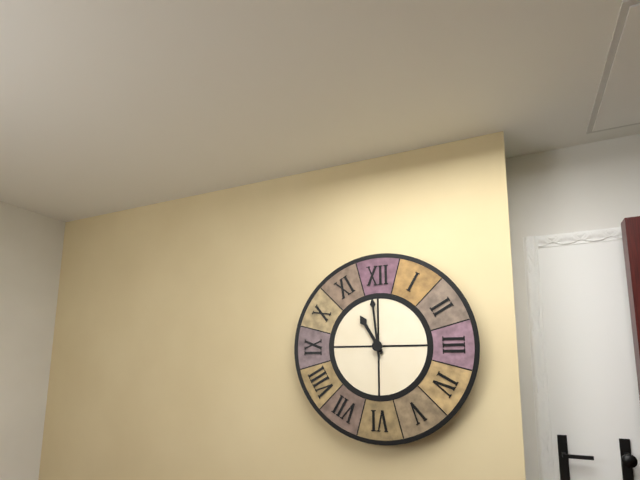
{"hour": 10, "minute": 59}
